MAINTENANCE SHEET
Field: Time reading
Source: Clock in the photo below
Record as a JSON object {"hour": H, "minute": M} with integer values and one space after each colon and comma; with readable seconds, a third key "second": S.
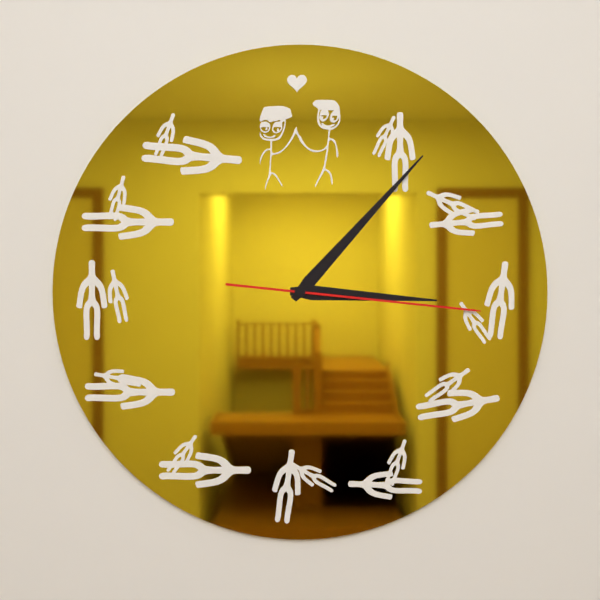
{"hour": 3, "minute": 7, "second": 16}
